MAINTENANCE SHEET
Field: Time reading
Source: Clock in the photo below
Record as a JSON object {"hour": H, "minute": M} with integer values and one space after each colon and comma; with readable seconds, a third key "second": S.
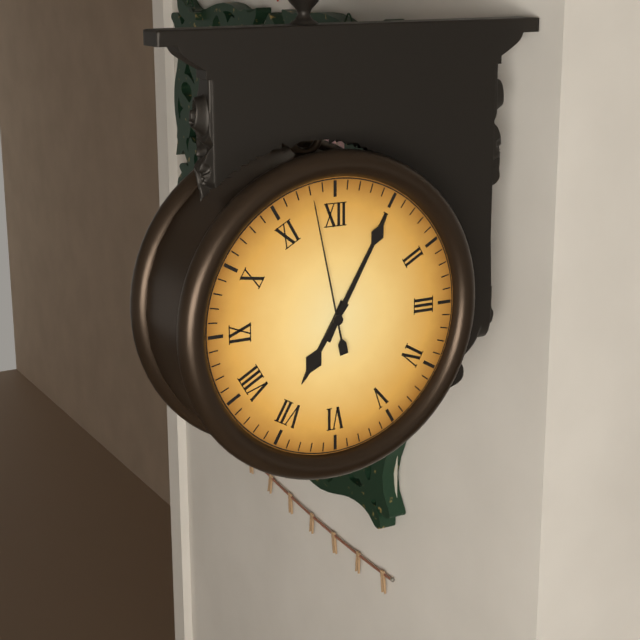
{"hour": 7, "minute": 5, "second": 58}
